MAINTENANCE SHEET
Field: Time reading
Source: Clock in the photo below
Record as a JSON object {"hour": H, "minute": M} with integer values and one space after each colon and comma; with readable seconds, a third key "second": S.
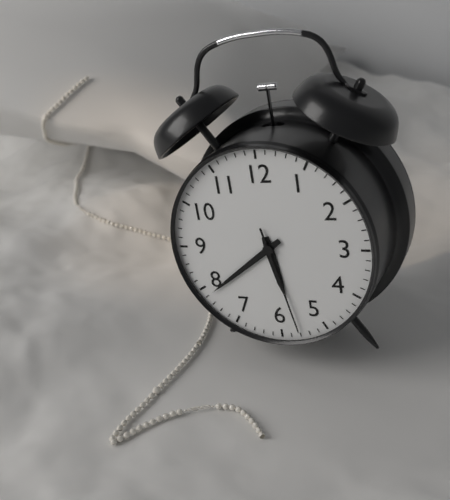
{"hour": 5, "minute": 39, "second": 28}
